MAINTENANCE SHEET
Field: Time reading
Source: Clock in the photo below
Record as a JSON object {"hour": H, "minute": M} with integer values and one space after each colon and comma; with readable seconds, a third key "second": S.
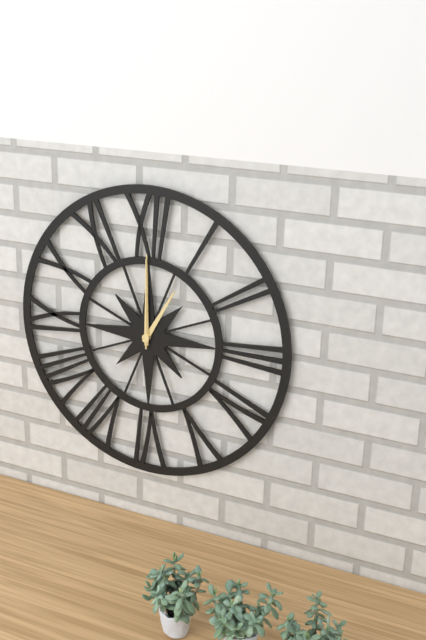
{"hour": 1, "minute": 0, "second": 0}
